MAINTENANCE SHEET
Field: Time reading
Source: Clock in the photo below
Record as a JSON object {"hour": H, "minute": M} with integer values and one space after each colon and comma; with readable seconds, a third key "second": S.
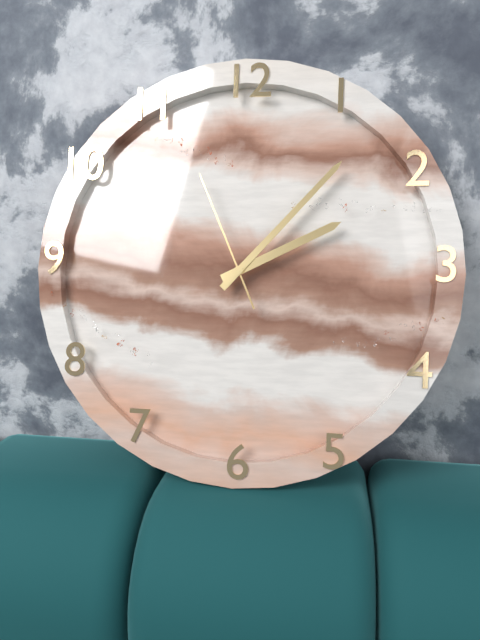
{"hour": 2, "minute": 7, "second": 56}
